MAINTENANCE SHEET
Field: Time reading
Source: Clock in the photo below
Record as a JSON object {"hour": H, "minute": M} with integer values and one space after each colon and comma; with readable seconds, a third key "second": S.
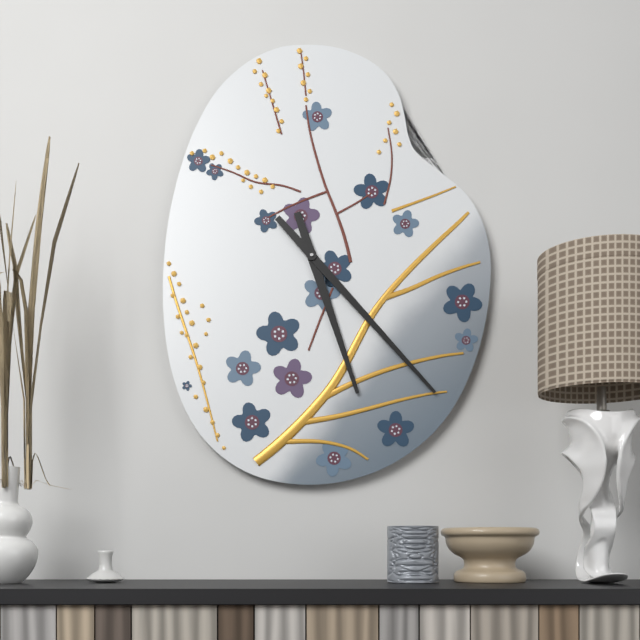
{"hour": 5, "minute": 23}
